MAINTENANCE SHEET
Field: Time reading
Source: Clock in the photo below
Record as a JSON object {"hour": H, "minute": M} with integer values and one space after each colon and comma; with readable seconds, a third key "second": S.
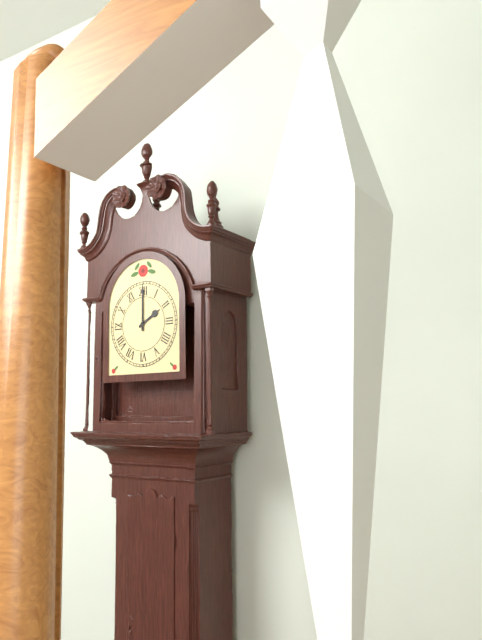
{"hour": 2, "minute": 0}
